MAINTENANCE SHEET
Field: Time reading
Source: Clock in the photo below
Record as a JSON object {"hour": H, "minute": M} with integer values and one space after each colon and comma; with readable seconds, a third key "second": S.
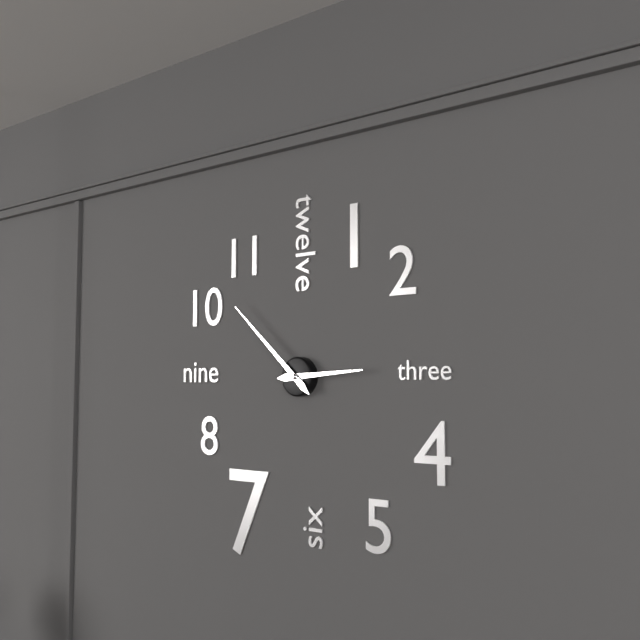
{"hour": 2, "minute": 52}
